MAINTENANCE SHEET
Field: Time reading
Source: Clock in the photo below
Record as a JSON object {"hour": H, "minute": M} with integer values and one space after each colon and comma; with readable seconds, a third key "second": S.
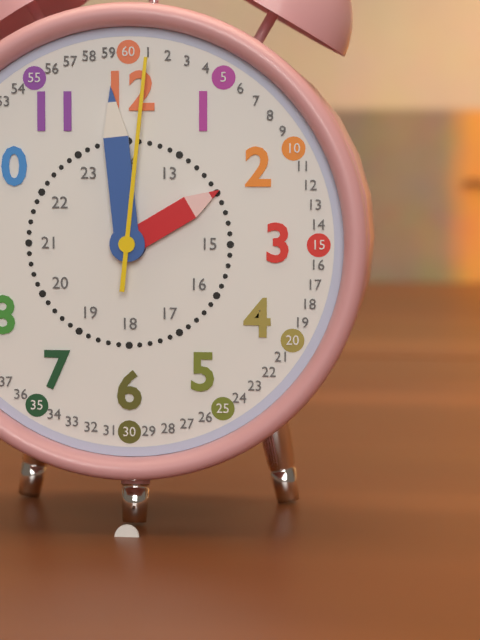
{"hour": 1, "minute": 59, "second": 1}
